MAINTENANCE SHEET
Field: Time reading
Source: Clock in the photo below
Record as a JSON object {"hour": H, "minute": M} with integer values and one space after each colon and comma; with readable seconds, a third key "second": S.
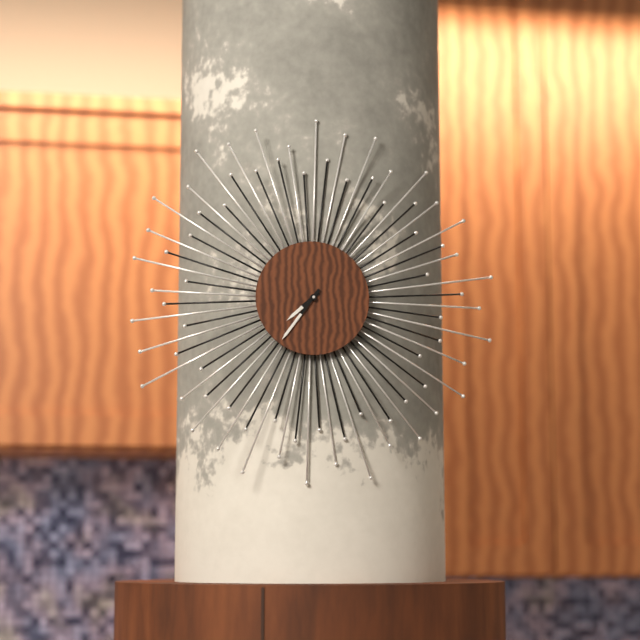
{"hour": 7, "minute": 36}
